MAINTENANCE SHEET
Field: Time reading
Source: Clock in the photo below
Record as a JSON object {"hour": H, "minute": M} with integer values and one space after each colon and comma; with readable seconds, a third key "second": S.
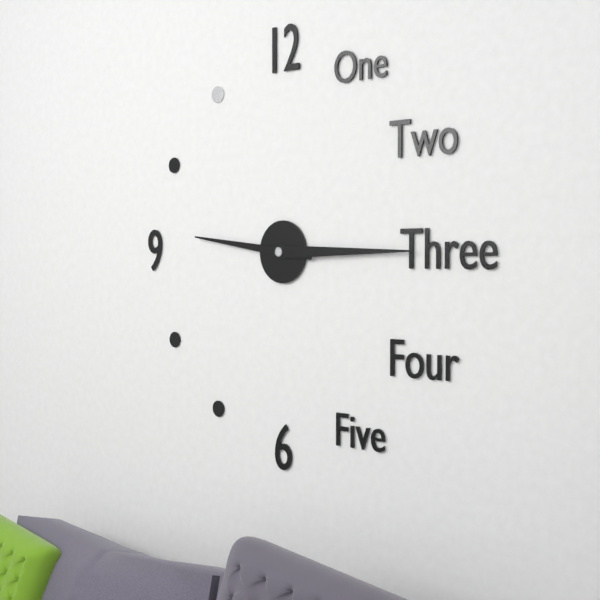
{"hour": 9, "minute": 15}
